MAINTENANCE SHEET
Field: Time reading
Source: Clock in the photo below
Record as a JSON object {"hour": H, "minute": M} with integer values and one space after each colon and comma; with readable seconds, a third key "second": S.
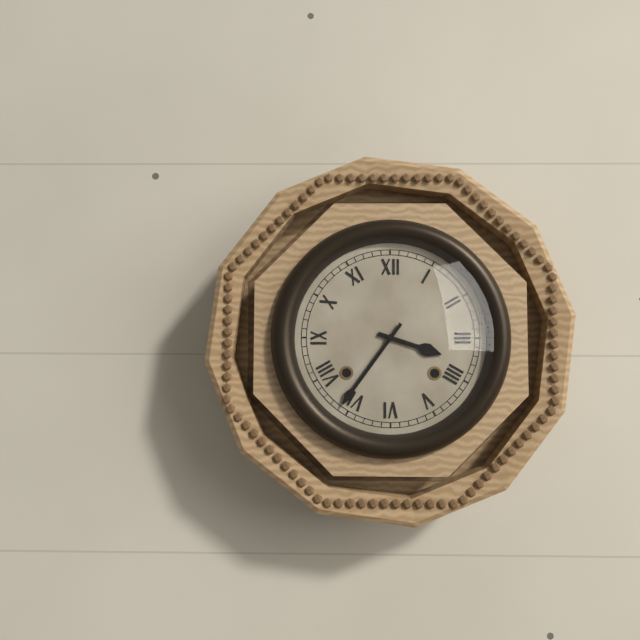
{"hour": 3, "minute": 36}
